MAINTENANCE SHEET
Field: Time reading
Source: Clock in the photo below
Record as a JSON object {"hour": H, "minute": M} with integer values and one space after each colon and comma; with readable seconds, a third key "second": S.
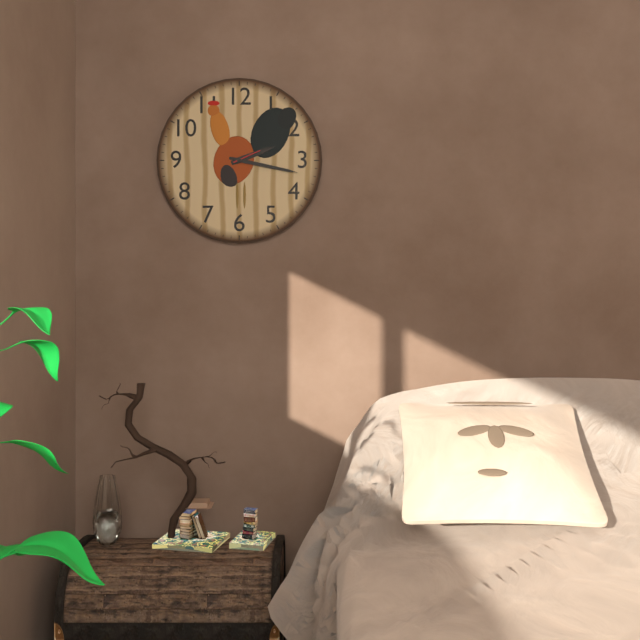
{"hour": 2, "minute": 17}
